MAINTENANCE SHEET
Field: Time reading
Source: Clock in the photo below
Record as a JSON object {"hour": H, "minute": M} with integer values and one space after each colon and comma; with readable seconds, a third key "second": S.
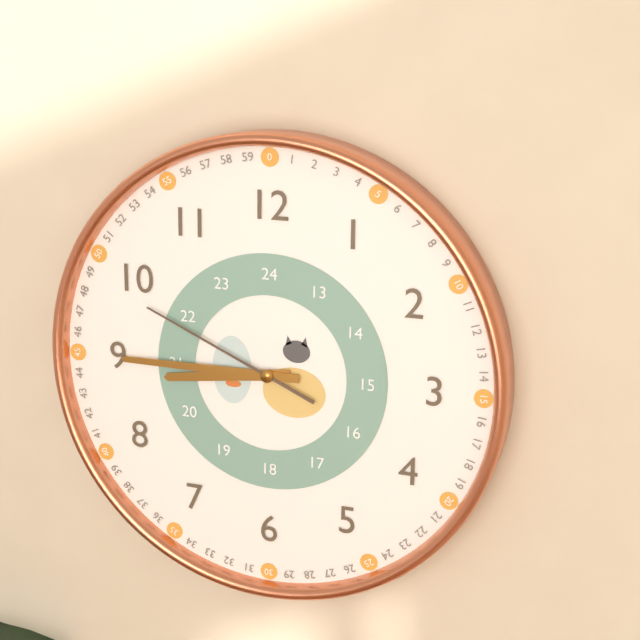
{"hour": 8, "minute": 45, "second": 49}
